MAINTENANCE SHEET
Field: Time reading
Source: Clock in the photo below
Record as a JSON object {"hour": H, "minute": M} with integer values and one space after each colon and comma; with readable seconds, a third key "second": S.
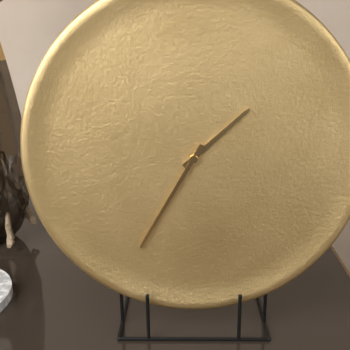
{"hour": 1, "minute": 35}
